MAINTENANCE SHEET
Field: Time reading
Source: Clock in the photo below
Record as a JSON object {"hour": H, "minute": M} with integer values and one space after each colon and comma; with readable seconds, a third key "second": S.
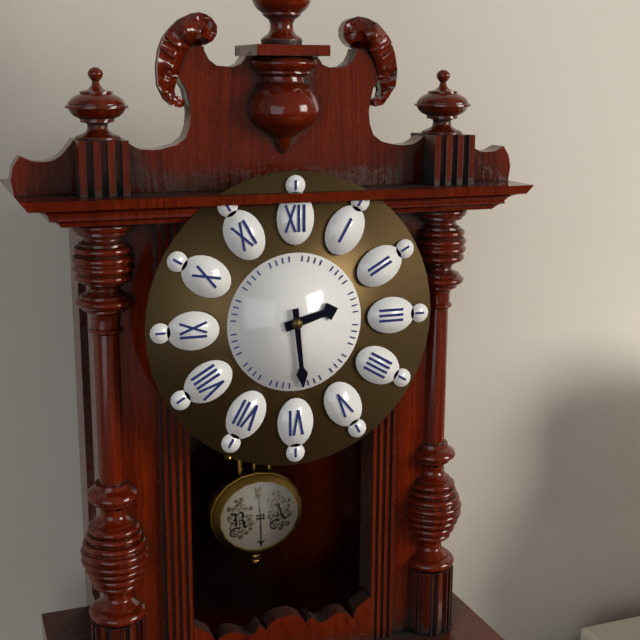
{"hour": 2, "minute": 29}
